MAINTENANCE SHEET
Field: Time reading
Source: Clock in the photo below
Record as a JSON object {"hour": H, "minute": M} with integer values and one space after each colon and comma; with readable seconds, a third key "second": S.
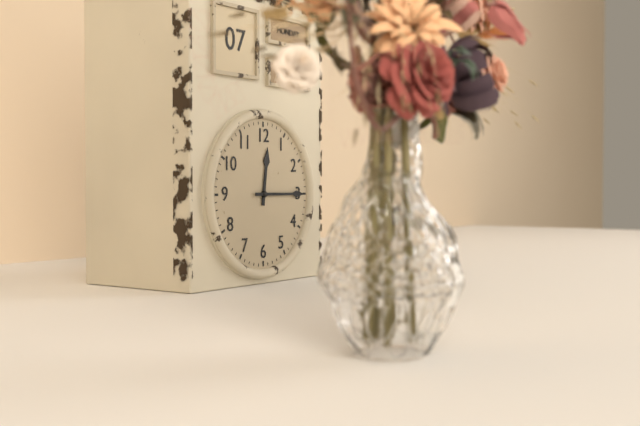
{"hour": 12, "minute": 15}
